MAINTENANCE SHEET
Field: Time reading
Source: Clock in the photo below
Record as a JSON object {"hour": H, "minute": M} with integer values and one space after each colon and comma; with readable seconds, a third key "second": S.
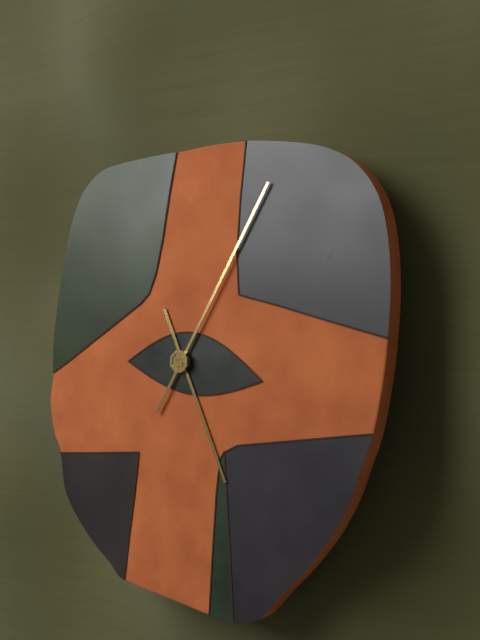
{"hour": 5, "minute": 5}
